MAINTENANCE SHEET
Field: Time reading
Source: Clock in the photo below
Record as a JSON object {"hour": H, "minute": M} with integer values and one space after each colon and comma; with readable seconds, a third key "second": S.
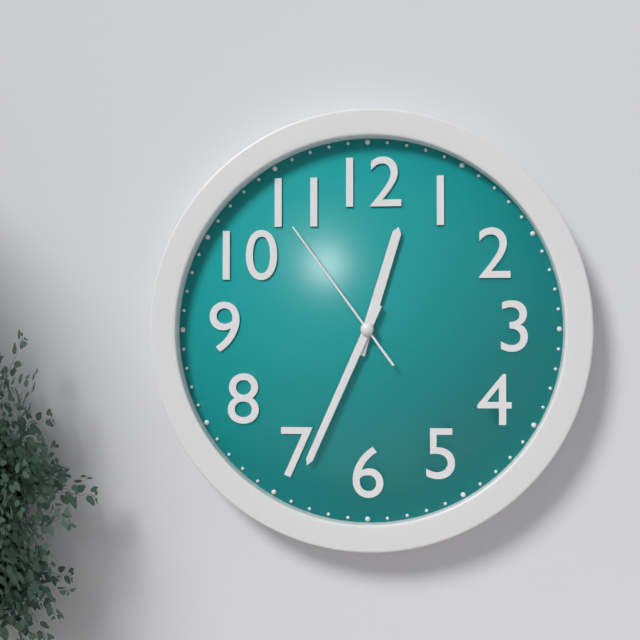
{"hour": 12, "minute": 34, "second": 54}
